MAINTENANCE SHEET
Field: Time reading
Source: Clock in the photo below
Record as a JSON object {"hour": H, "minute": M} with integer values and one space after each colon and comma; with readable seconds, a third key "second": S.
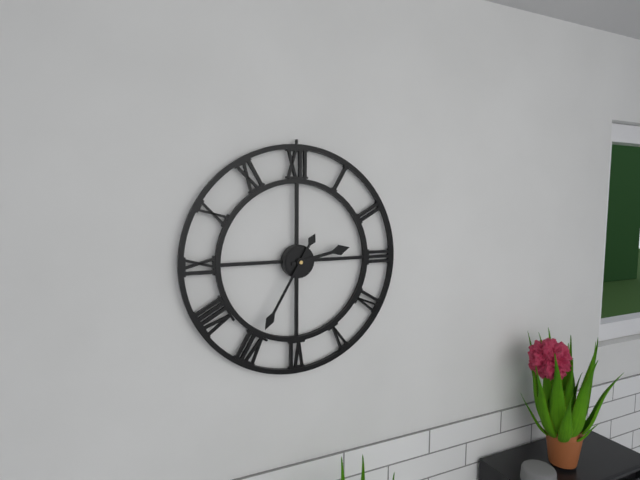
{"hour": 2, "minute": 35}
